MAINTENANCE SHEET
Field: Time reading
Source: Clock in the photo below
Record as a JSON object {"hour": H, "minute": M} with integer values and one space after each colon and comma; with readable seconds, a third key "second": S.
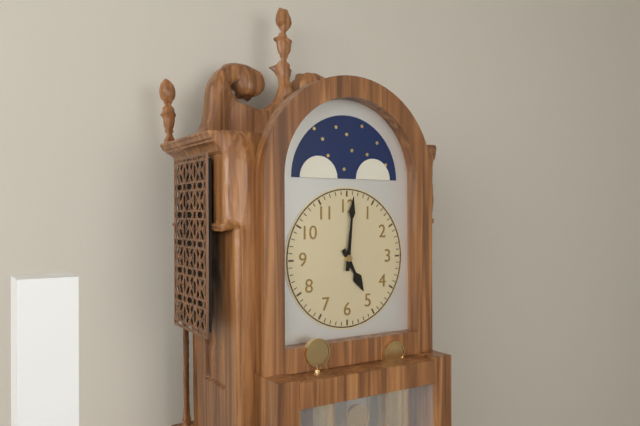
{"hour": 5, "minute": 1}
